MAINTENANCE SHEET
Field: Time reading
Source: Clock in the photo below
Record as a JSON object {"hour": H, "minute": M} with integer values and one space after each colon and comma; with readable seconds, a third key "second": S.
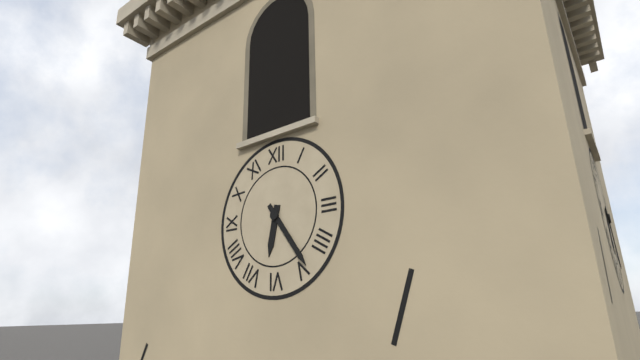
{"hour": 6, "minute": 24}
